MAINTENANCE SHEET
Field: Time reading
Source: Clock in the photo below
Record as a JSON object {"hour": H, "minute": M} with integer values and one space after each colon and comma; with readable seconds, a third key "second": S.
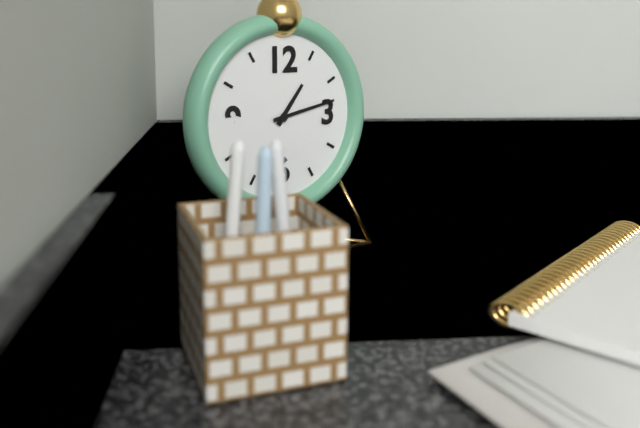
{"hour": 1, "minute": 13}
